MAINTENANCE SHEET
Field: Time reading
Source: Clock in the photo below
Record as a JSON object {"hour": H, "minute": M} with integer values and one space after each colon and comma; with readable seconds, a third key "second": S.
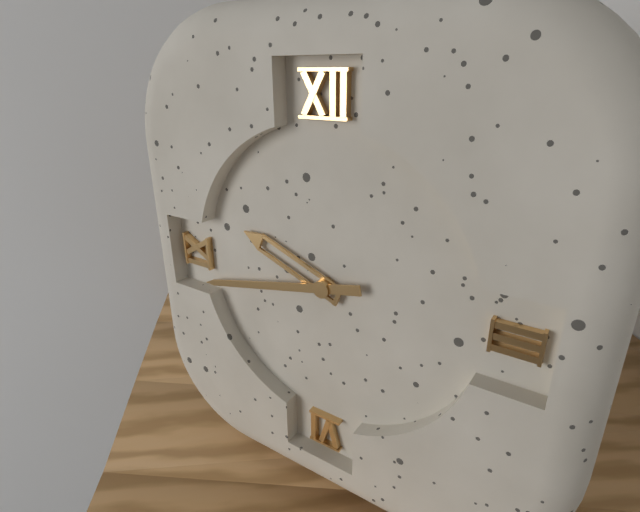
{"hour": 9, "minute": 43}
